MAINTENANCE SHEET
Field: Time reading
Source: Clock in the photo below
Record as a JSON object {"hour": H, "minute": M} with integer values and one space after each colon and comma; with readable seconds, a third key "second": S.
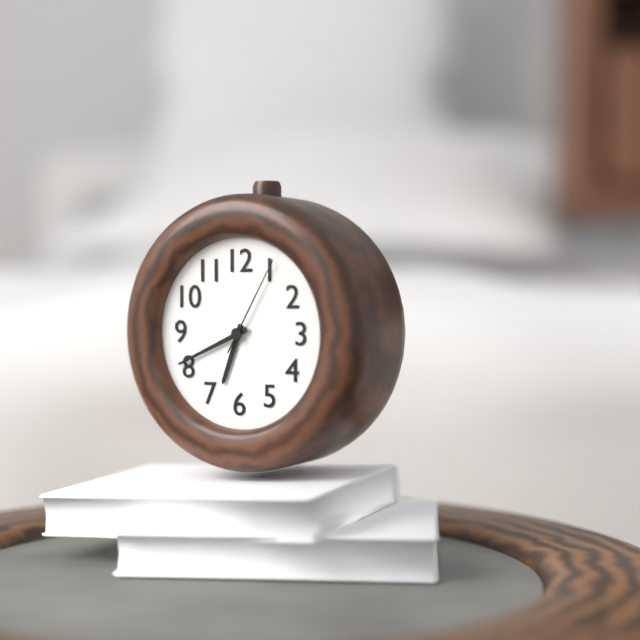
{"hour": 6, "minute": 41, "second": 5}
